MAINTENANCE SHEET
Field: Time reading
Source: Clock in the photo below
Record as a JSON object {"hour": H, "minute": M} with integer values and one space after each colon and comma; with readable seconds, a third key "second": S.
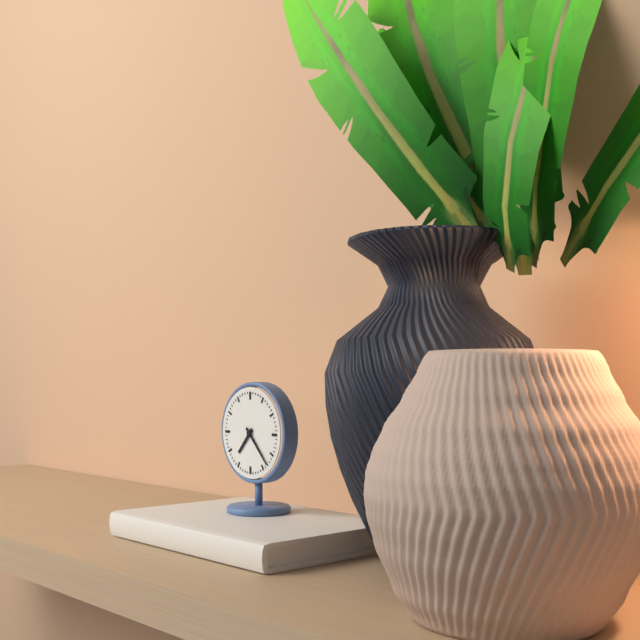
{"hour": 7, "minute": 23}
